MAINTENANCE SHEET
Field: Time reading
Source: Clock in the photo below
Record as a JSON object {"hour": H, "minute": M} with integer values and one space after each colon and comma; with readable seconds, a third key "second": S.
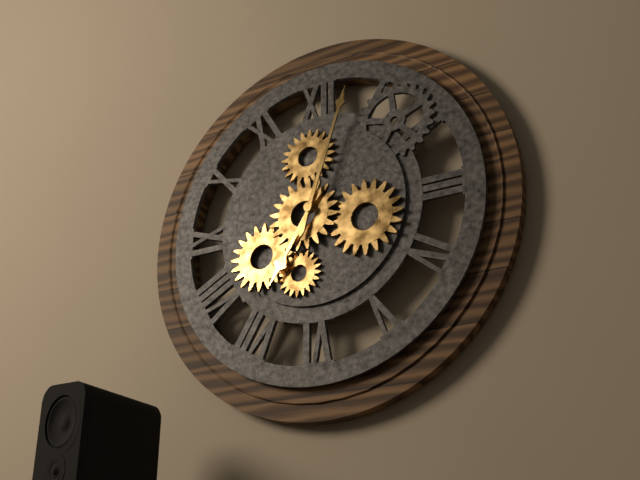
{"hour": 7, "minute": 3}
